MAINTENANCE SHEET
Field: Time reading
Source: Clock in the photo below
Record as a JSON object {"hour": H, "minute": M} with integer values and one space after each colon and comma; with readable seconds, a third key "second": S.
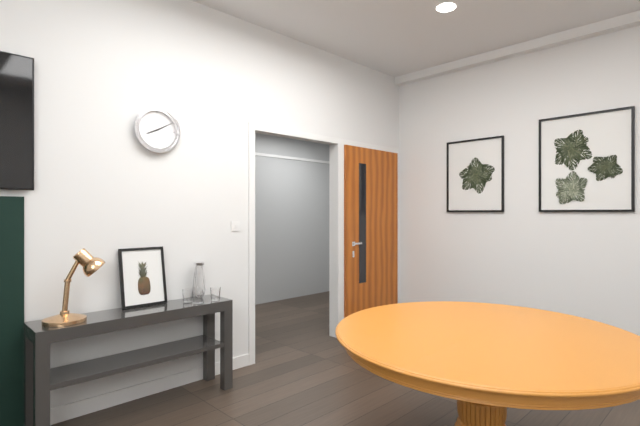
{"hour": 8, "minute": 10}
